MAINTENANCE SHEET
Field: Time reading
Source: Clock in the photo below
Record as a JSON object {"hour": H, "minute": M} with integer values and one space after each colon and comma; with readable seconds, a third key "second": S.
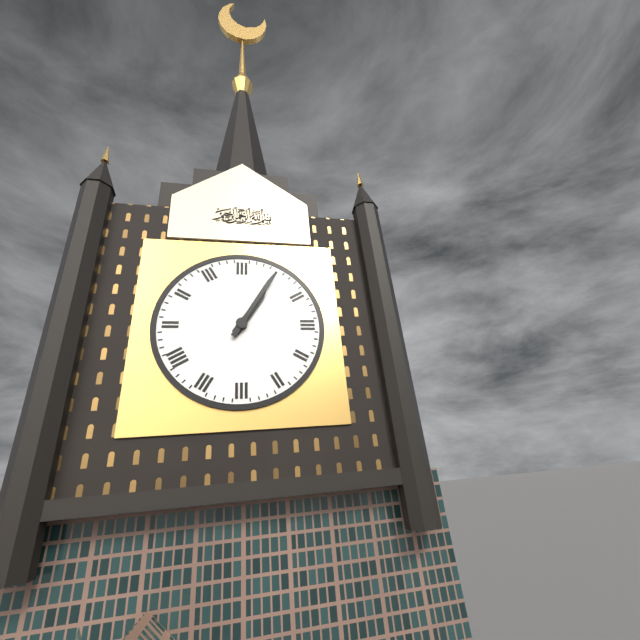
{"hour": 1, "minute": 5}
